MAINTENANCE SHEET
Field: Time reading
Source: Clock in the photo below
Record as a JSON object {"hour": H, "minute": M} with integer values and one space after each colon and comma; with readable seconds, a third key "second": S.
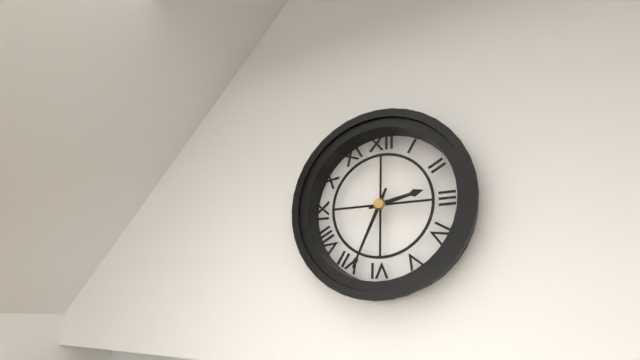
{"hour": 2, "minute": 34}
